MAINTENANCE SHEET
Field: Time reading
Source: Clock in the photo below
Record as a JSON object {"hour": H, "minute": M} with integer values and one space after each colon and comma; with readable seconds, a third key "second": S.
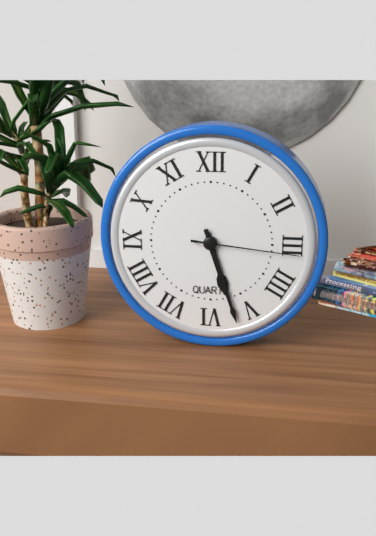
{"hour": 5, "minute": 27, "second": 16}
